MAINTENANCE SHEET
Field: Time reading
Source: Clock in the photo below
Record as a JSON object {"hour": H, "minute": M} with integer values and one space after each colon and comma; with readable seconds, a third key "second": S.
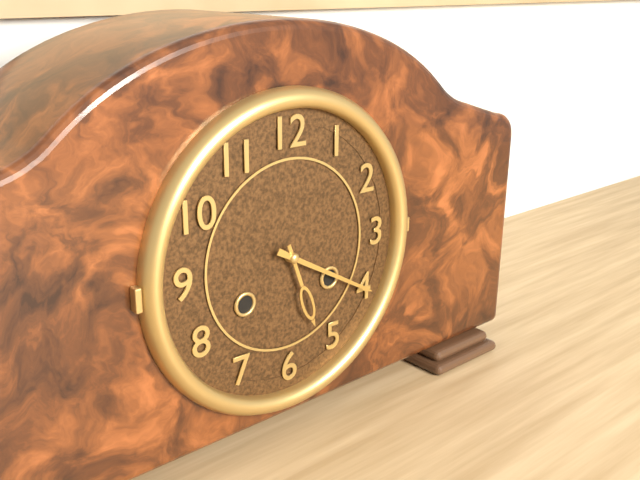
{"hour": 5, "minute": 20}
